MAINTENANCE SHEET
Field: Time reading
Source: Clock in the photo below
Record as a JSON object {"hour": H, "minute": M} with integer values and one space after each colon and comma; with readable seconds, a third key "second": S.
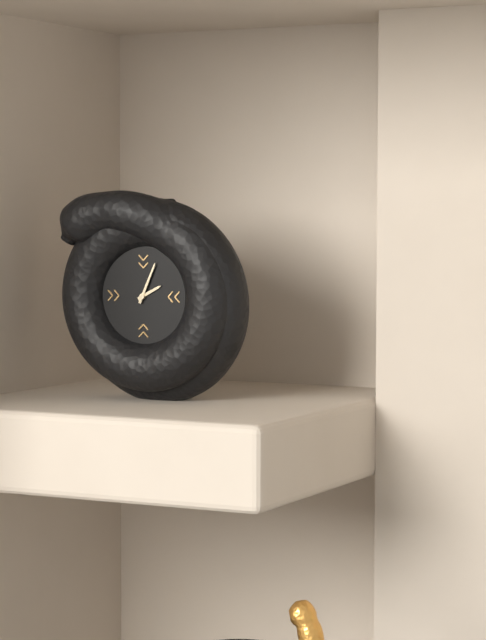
{"hour": 2, "minute": 4}
